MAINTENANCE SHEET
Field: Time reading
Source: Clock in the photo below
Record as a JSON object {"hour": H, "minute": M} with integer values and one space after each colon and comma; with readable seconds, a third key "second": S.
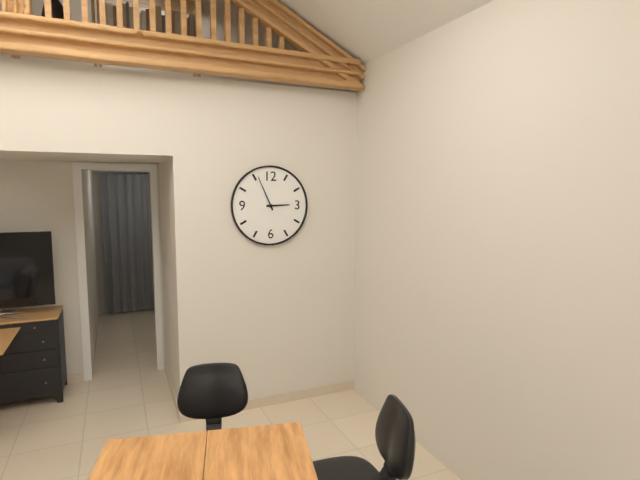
{"hour": 2, "minute": 56}
